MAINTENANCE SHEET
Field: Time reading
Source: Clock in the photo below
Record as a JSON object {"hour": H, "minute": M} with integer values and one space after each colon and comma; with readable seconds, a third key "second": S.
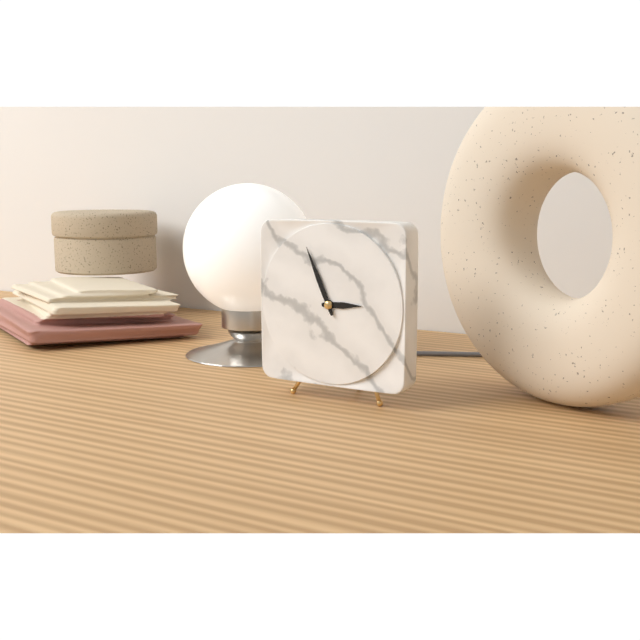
{"hour": 2, "minute": 56}
